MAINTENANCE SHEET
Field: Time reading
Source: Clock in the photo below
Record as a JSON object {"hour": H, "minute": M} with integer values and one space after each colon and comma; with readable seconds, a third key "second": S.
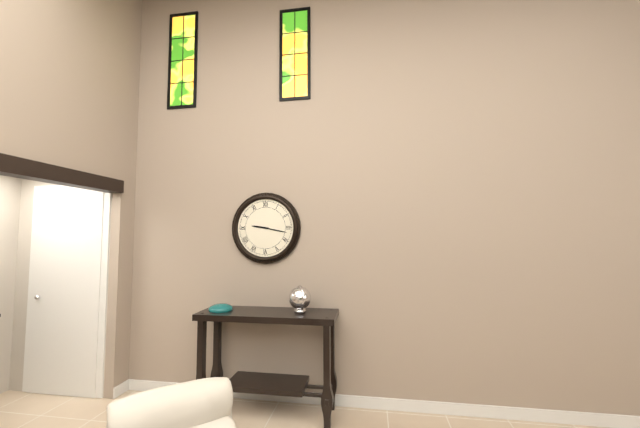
{"hour": 9, "minute": 17}
